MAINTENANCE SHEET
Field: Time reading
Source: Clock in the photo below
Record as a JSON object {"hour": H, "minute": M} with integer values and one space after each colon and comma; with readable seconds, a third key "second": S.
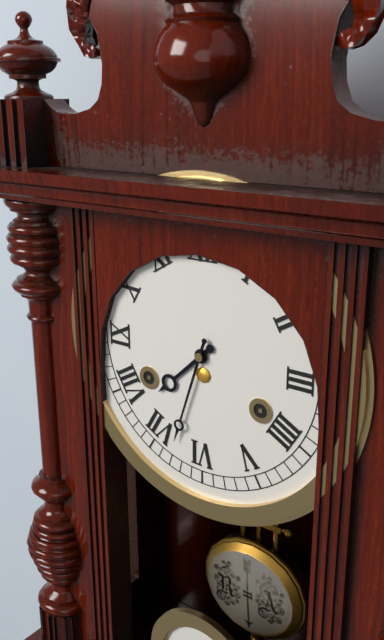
{"hour": 7, "minute": 33}
